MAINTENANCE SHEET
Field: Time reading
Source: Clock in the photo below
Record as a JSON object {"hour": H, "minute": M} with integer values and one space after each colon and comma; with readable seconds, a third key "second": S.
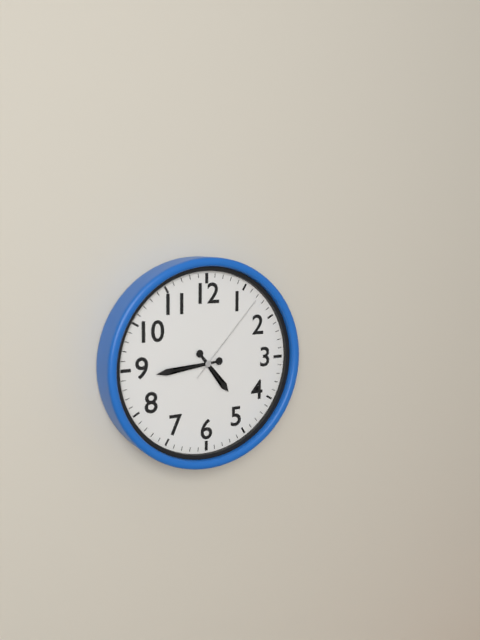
{"hour": 4, "minute": 44, "second": 7}
